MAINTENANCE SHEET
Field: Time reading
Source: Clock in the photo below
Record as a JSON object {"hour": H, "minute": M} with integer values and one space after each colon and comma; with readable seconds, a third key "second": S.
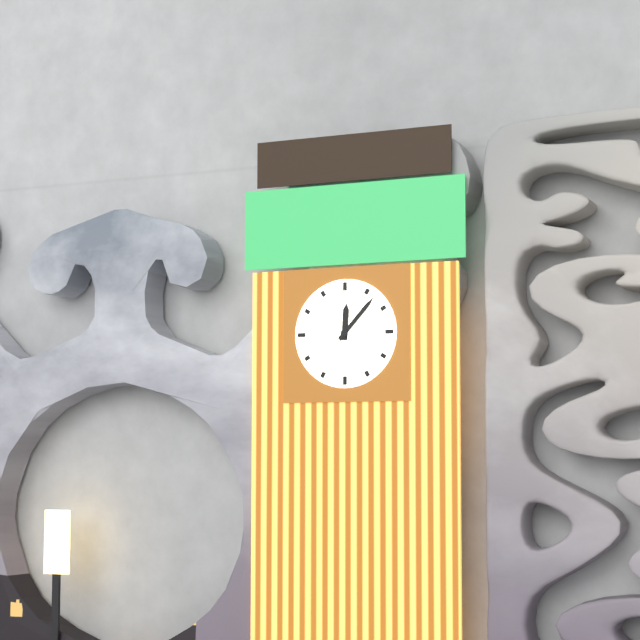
{"hour": 12, "minute": 7}
